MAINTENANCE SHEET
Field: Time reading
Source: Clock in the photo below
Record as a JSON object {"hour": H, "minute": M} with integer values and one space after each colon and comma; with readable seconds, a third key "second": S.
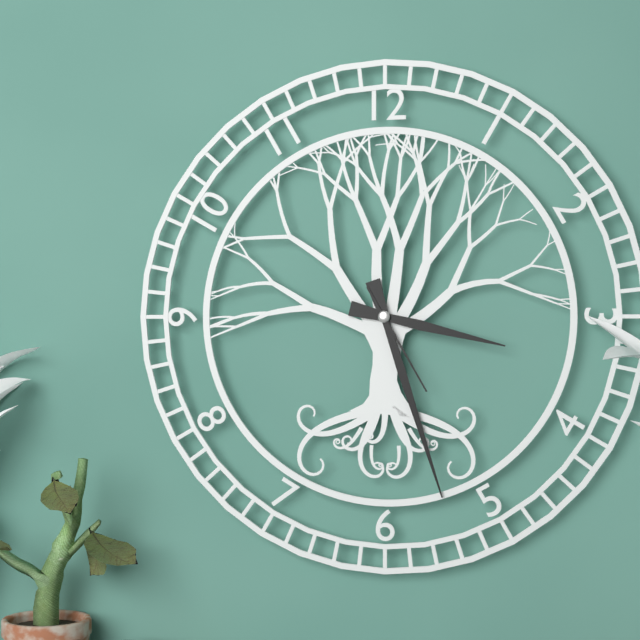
{"hour": 3, "minute": 27, "second": 25}
